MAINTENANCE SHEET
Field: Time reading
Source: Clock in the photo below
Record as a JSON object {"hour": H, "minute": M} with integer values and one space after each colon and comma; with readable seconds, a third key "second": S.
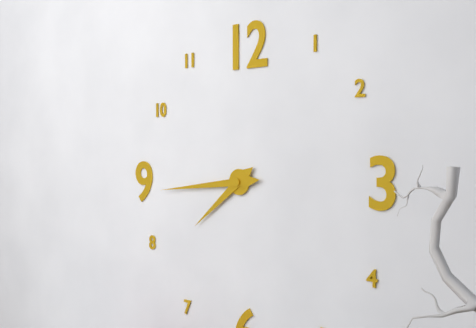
{"hour": 7, "minute": 44}
